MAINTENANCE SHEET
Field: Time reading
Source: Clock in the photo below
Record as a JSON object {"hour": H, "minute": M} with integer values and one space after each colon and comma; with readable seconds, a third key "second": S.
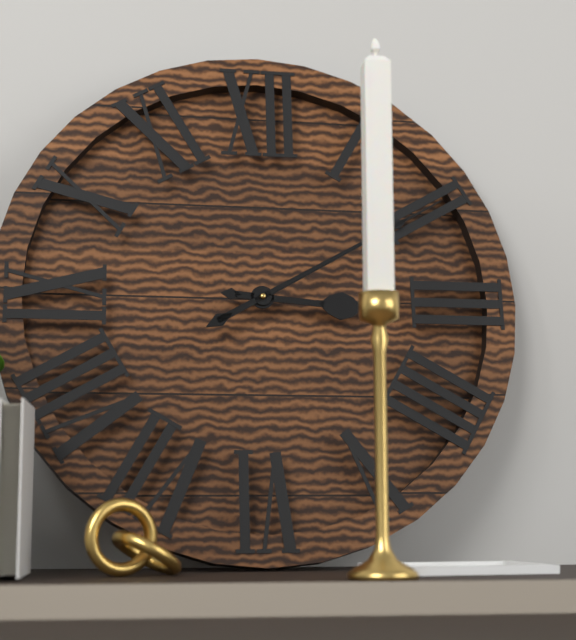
{"hour": 3, "minute": 10}
